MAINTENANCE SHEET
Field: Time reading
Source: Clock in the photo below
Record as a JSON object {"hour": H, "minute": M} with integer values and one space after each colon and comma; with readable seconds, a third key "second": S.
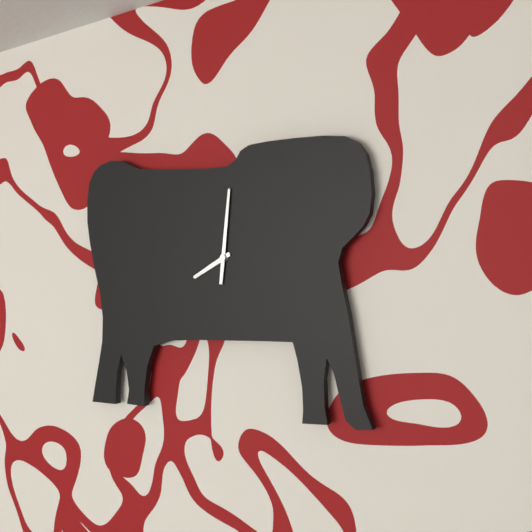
{"hour": 8, "minute": 1}
